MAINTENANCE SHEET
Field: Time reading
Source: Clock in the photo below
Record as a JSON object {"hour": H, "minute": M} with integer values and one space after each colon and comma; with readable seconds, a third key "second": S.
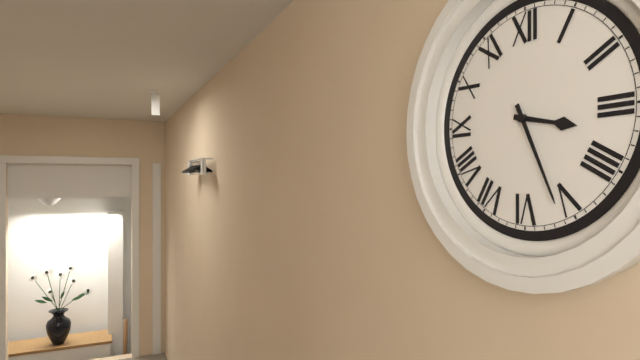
{"hour": 3, "minute": 26}
